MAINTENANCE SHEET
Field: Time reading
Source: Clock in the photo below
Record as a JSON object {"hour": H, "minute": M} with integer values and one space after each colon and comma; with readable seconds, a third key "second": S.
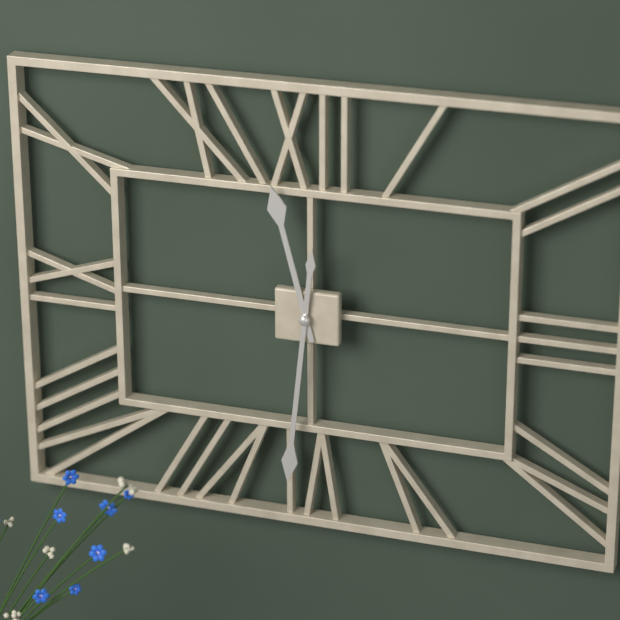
{"hour": 11, "minute": 31}
